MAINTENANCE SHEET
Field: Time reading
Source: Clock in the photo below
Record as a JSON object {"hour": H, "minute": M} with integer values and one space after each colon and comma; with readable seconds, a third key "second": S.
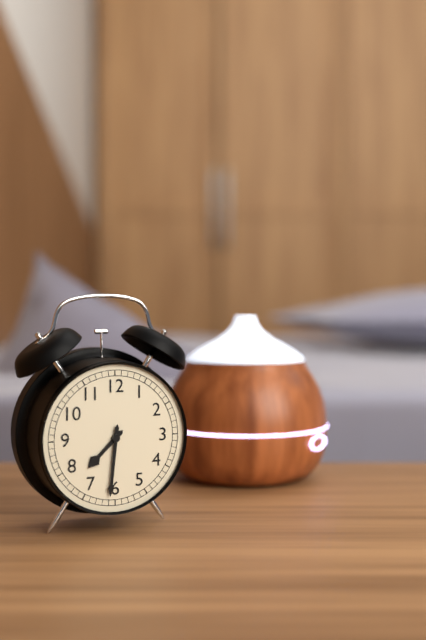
{"hour": 7, "minute": 31}
